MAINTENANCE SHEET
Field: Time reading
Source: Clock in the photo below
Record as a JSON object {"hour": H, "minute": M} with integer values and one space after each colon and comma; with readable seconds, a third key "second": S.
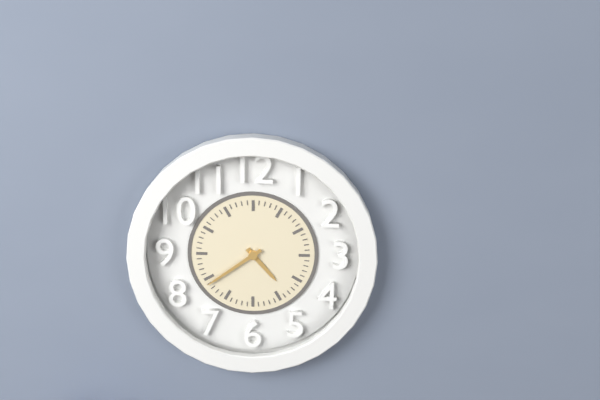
{"hour": 4, "minute": 39}
